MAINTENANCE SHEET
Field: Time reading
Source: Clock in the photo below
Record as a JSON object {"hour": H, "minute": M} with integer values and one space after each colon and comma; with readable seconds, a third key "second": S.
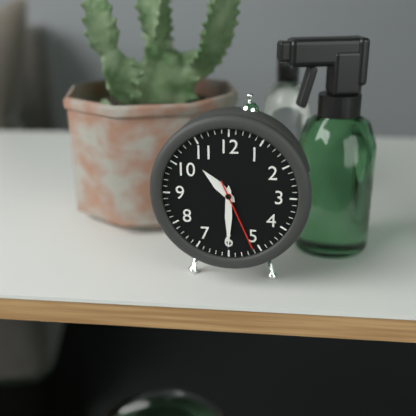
{"hour": 10, "minute": 30, "second": 26}
